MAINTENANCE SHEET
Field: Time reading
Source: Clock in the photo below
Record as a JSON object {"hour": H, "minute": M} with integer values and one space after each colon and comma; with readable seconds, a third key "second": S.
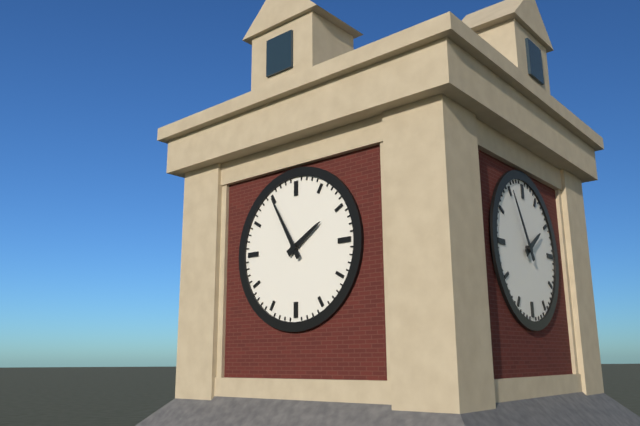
{"hour": 1, "minute": 55}
